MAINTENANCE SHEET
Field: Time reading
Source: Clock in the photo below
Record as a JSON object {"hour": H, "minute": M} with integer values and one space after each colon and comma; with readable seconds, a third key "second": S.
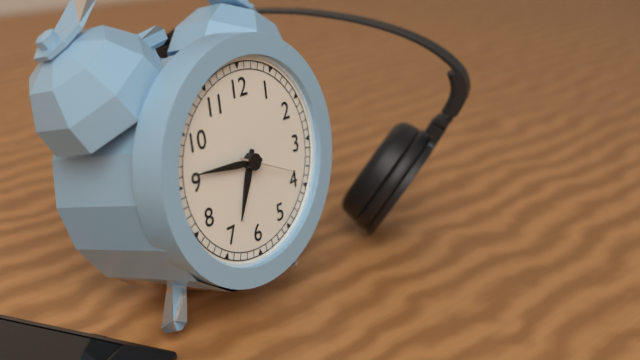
{"hour": 6, "minute": 46}
